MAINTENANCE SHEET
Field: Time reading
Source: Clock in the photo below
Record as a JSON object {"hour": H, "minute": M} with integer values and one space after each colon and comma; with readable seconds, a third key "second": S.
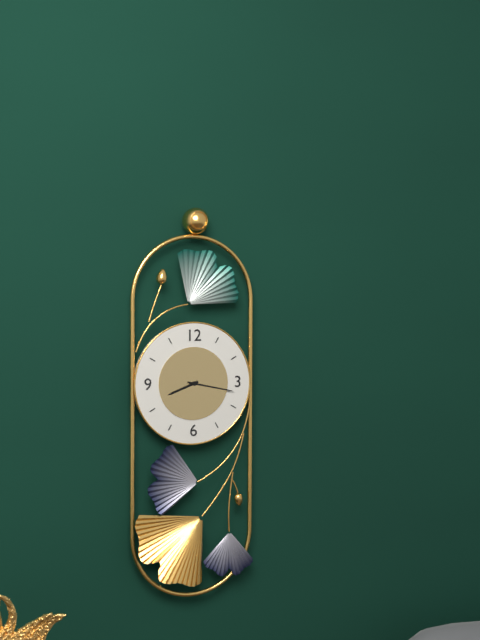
{"hour": 8, "minute": 17}
